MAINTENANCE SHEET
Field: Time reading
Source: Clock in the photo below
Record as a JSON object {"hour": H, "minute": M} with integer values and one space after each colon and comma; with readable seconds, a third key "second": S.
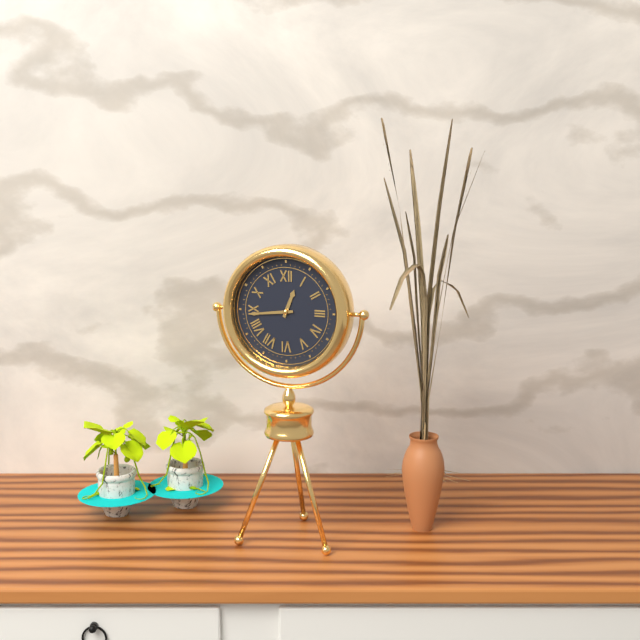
{"hour": 12, "minute": 44}
